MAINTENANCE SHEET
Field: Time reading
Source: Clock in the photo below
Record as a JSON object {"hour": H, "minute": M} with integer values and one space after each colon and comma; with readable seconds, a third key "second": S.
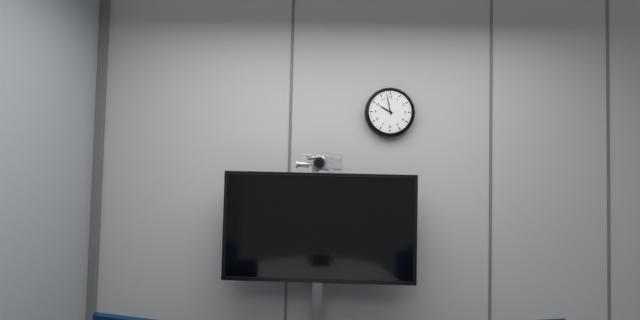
{"hour": 9, "minute": 58}
